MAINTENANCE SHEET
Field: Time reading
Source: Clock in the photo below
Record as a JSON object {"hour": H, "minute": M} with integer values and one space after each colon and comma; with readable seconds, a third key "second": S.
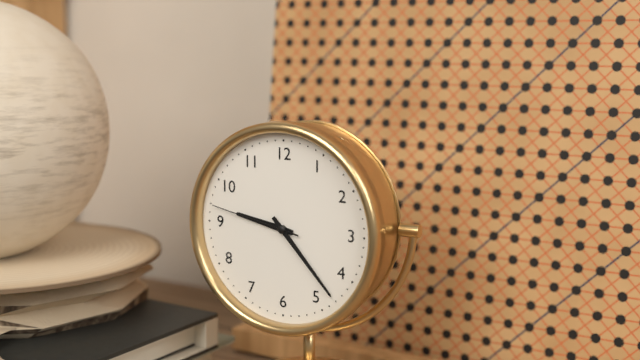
{"hour": 9, "minute": 23, "second": 47}
